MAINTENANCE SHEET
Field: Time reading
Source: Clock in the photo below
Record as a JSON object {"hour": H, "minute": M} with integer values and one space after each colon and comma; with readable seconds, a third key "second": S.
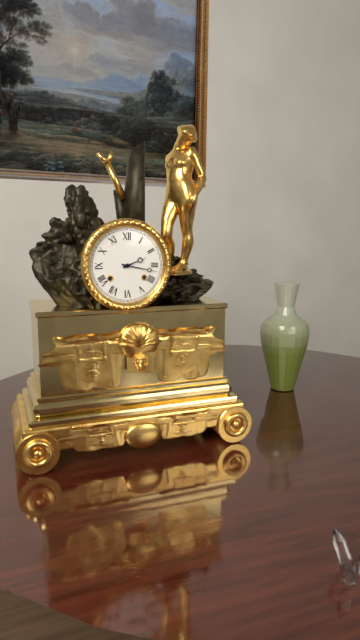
{"hour": 2, "minute": 17}
